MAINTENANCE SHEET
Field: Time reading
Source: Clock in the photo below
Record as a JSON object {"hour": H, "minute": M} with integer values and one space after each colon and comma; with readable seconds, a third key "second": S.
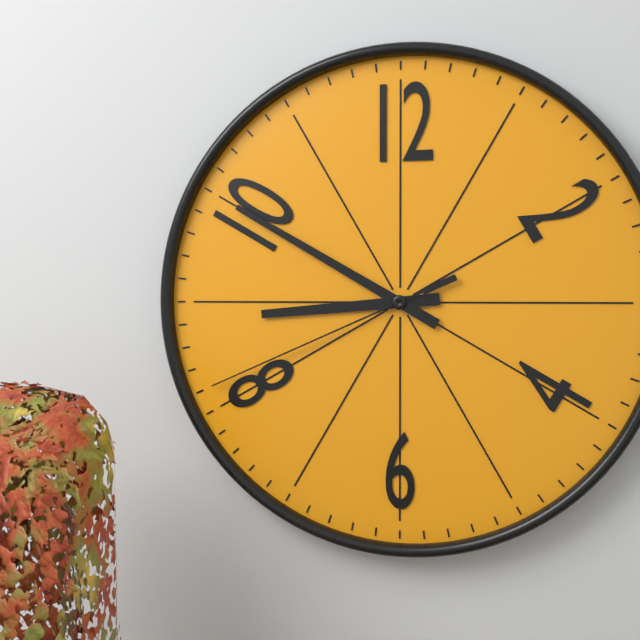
{"hour": 8, "minute": 50, "second": 41}
